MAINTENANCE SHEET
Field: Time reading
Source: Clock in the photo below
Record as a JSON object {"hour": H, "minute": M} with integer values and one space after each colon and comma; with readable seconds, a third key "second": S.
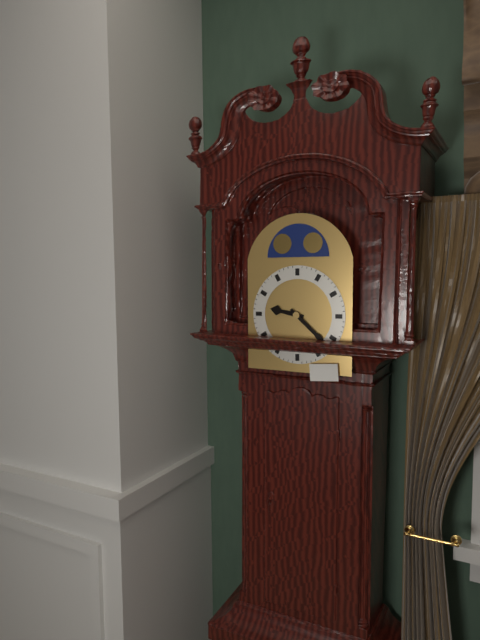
{"hour": 9, "minute": 22}
